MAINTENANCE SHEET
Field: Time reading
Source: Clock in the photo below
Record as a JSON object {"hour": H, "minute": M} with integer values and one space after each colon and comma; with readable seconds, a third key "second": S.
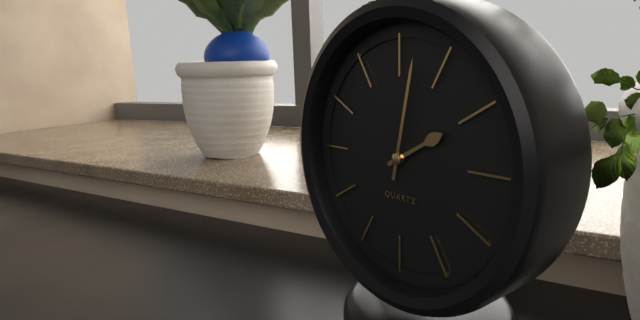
{"hour": 2, "minute": 2}
